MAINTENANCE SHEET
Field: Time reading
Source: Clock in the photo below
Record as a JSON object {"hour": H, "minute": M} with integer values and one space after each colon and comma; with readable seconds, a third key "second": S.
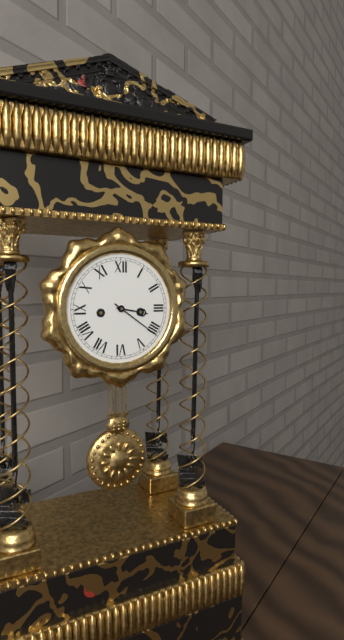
{"hour": 3, "minute": 21}
